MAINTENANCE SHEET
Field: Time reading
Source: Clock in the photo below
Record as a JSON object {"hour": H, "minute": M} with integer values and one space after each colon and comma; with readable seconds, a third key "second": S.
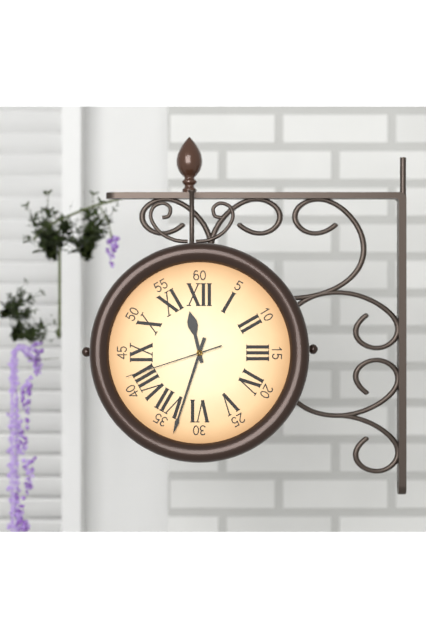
{"hour": 11, "minute": 33, "second": 42}
